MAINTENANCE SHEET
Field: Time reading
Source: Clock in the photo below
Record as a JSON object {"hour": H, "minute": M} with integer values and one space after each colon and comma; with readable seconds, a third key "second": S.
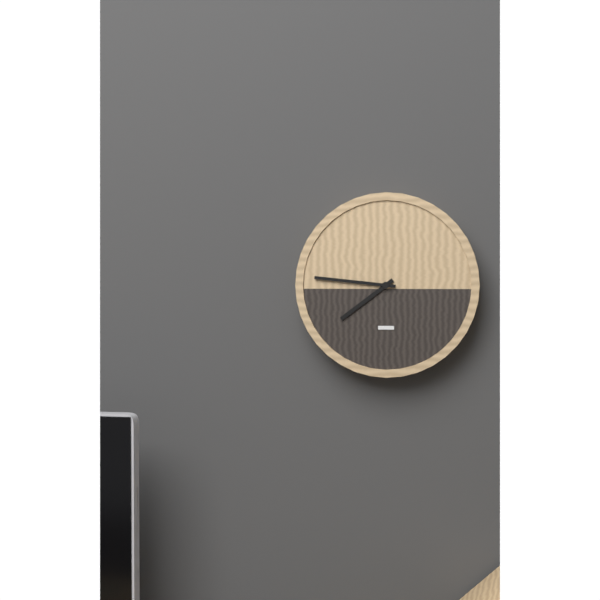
{"hour": 7, "minute": 46}
